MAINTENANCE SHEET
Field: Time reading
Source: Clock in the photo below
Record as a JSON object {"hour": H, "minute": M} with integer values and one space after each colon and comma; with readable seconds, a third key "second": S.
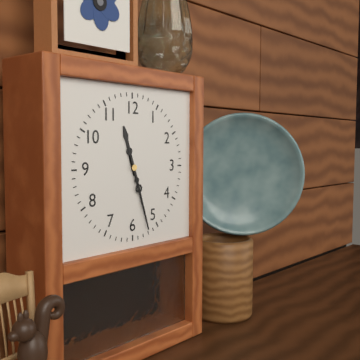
{"hour": 11, "minute": 27}
